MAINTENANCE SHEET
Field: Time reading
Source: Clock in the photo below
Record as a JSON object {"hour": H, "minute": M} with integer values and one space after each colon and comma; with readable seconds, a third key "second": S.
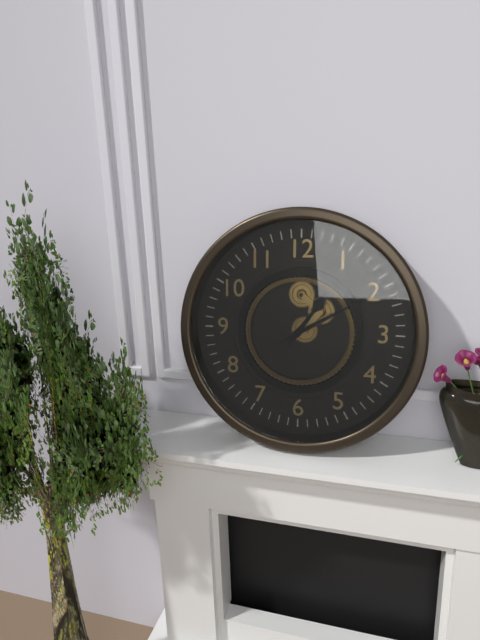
{"hour": 1, "minute": 10}
